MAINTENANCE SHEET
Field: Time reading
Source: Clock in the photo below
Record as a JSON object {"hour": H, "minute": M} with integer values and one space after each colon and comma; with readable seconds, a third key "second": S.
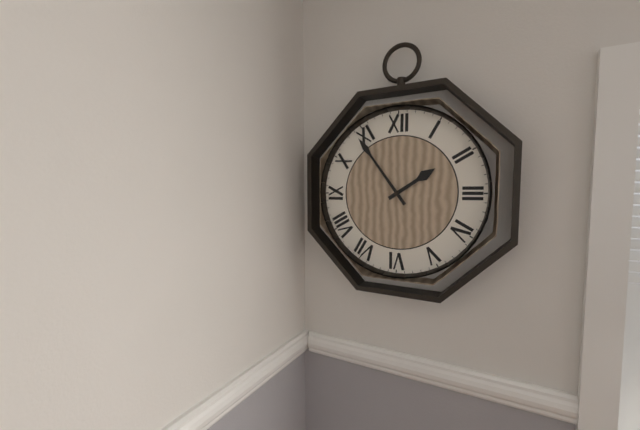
{"hour": 1, "minute": 54}
